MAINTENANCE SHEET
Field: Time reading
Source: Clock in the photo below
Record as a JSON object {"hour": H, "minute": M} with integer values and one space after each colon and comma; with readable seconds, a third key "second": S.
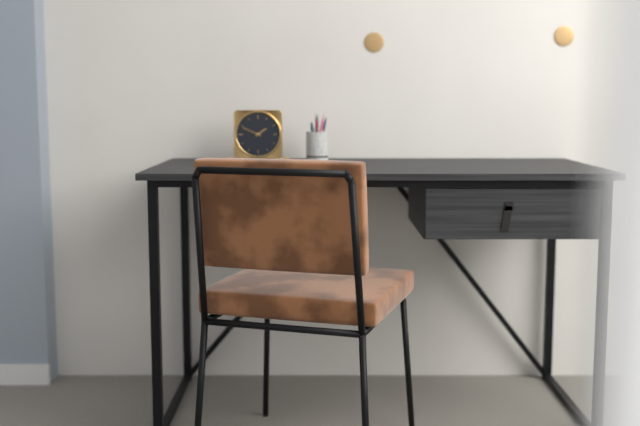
{"hour": 1, "minute": 49}
